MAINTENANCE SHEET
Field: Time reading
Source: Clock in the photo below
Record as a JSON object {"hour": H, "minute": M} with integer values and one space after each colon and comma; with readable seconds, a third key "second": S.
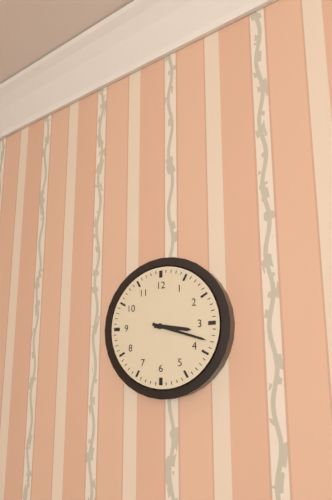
{"hour": 3, "minute": 18}
